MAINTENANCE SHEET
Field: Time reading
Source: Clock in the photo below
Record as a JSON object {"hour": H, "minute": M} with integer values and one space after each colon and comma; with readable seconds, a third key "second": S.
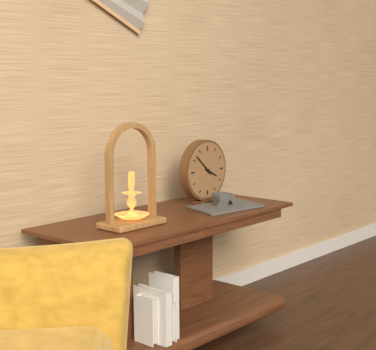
{"hour": 3, "minute": 52}
